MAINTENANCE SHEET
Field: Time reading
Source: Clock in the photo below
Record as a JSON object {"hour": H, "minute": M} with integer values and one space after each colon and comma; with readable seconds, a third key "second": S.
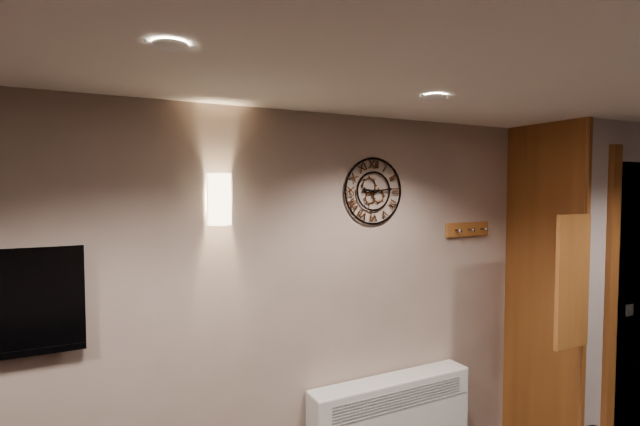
{"hour": 9, "minute": 14}
